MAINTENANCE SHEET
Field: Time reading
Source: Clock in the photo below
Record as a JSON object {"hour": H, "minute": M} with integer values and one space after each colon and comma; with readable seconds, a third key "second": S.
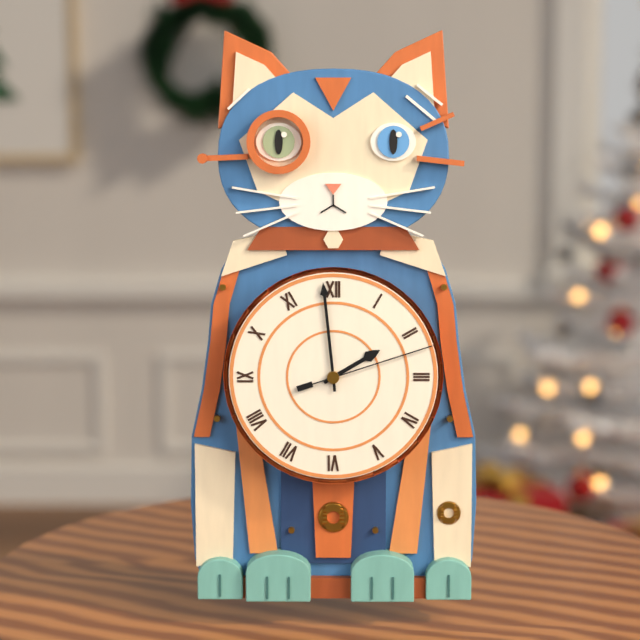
{"hour": 1, "minute": 59, "second": 12}
